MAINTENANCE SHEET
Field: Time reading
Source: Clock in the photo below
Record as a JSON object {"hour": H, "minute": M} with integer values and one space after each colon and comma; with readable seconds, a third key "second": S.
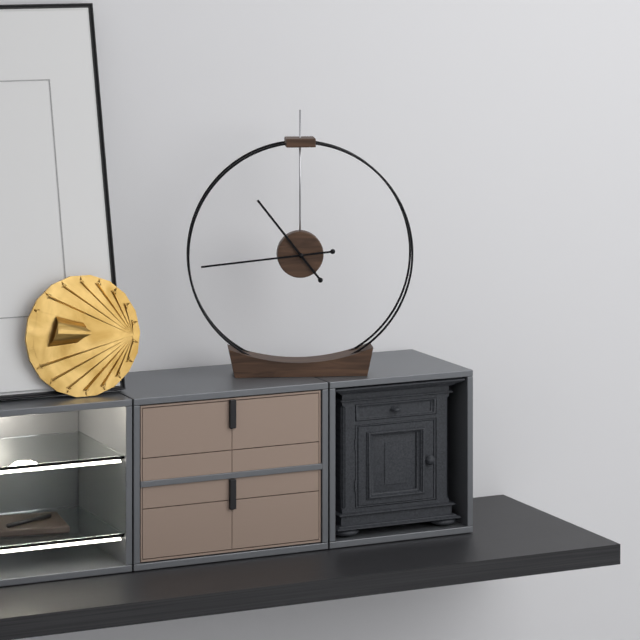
{"hour": 10, "minute": 44}
